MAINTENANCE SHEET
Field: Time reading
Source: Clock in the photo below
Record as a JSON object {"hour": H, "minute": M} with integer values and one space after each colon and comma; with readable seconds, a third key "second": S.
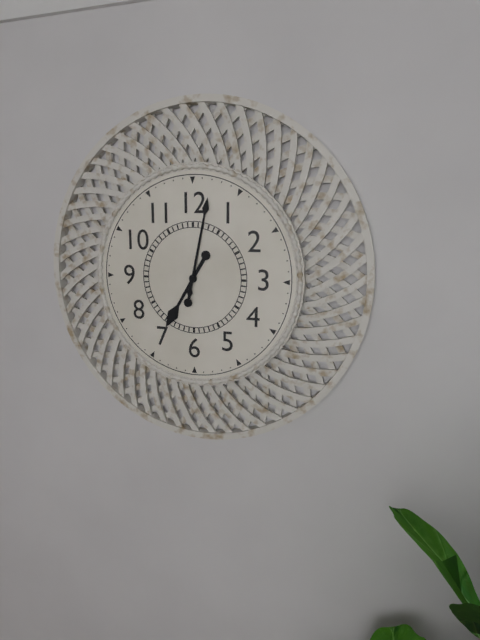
{"hour": 7, "minute": 2}
